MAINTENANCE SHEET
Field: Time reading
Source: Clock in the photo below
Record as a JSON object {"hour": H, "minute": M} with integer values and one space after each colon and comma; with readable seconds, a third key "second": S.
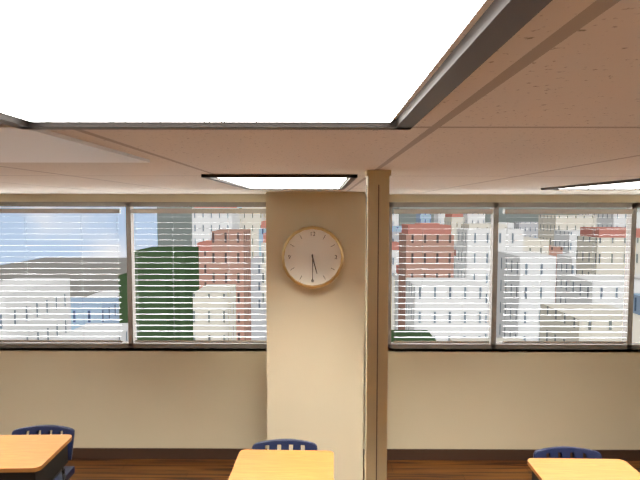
{"hour": 5, "minute": 30}
